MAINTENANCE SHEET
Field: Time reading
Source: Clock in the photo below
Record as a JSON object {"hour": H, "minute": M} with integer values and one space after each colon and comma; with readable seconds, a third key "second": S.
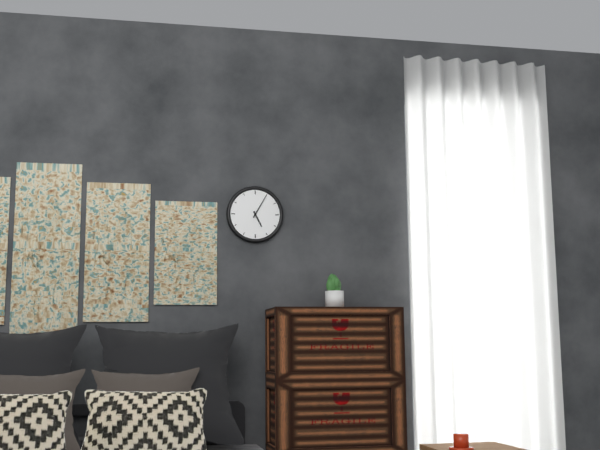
{"hour": 5, "minute": 5}
